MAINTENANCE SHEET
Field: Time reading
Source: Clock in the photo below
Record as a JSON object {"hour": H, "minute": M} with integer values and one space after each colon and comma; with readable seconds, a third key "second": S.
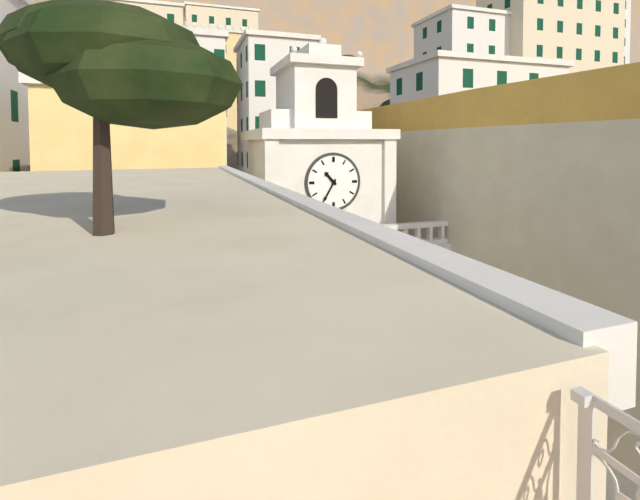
{"hour": 10, "minute": 35}
